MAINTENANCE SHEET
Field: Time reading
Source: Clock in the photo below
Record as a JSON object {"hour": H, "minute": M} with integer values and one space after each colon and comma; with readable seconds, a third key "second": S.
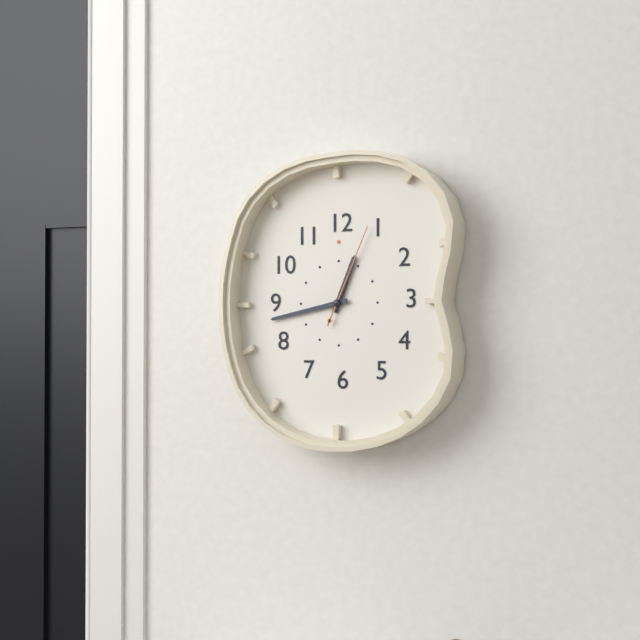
{"hour": 12, "minute": 43, "second": 4}
